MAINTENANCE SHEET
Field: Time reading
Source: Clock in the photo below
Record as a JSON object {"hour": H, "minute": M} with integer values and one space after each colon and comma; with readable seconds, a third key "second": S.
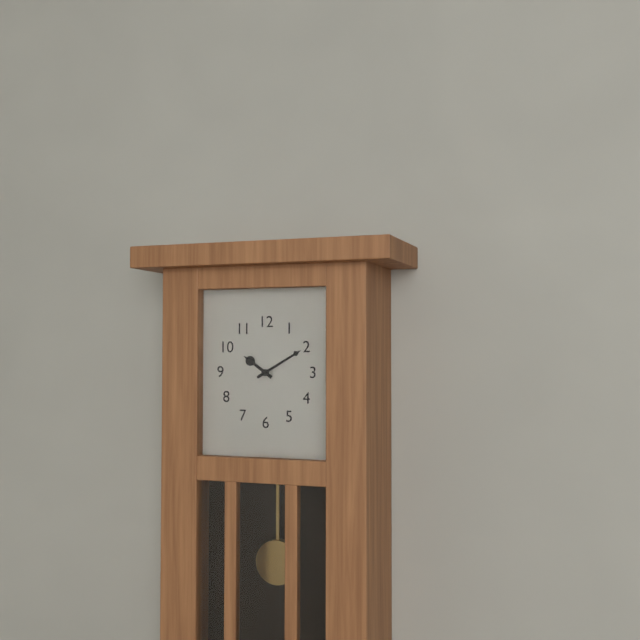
{"hour": 10, "minute": 10}
